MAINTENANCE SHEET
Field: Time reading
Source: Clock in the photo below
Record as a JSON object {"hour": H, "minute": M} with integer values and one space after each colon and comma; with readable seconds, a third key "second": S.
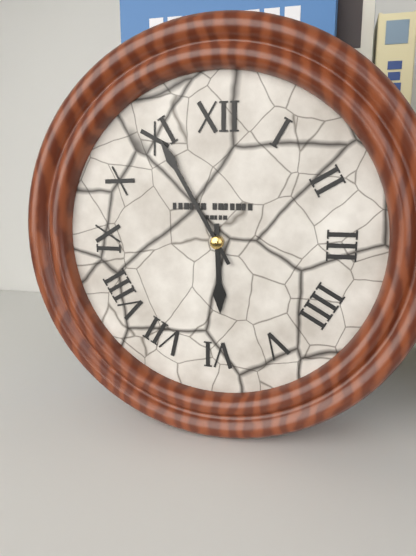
{"hour": 5, "minute": 55}
